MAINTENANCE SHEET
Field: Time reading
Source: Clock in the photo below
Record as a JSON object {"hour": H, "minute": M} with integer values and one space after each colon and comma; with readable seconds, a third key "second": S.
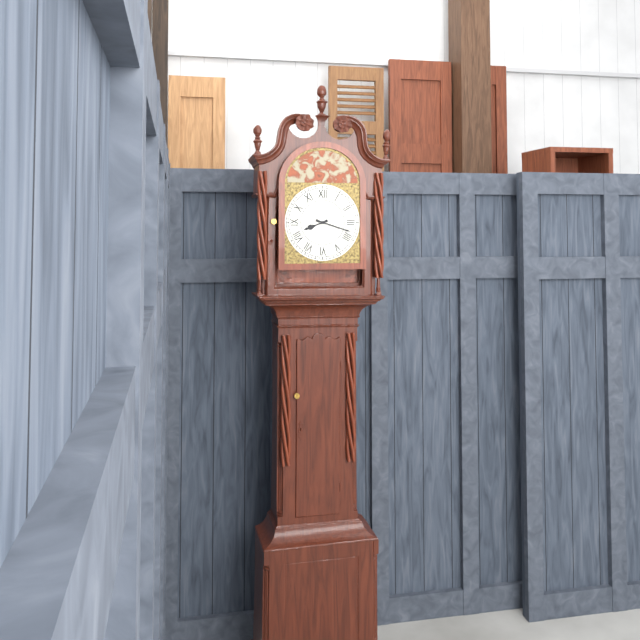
{"hour": 8, "minute": 18}
